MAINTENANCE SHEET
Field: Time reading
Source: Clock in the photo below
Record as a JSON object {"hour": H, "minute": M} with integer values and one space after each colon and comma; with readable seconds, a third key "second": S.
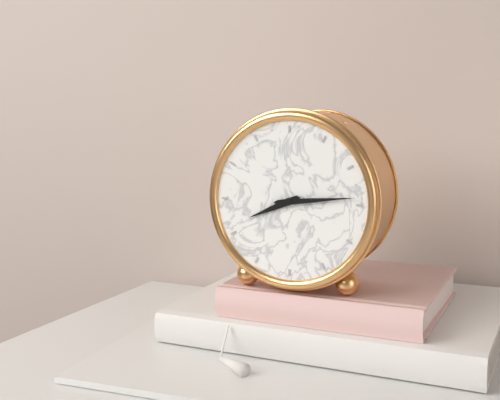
{"hour": 8, "minute": 14}
